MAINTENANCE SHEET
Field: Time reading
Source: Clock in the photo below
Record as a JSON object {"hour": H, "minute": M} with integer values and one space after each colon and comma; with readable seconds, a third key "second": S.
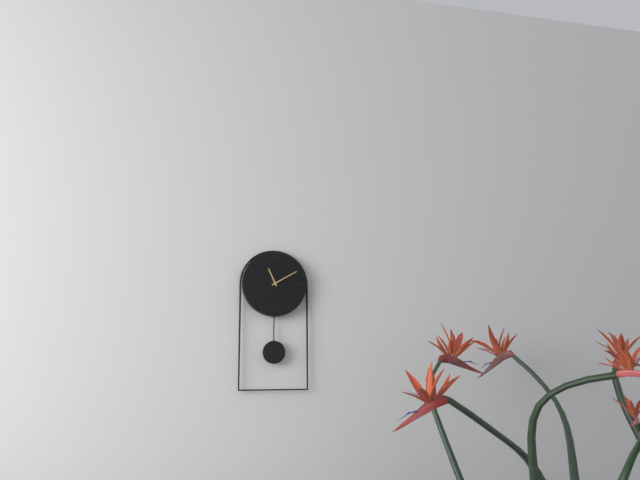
{"hour": 11, "minute": 10}
